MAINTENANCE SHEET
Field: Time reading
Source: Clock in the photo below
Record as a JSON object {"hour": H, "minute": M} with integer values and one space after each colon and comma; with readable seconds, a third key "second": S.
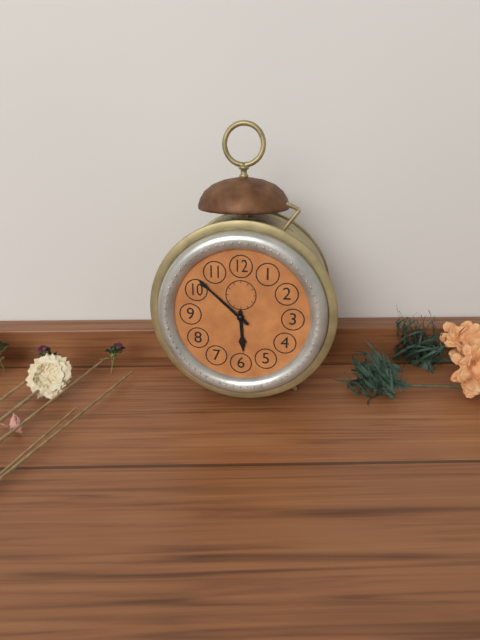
{"hour": 5, "minute": 52}
